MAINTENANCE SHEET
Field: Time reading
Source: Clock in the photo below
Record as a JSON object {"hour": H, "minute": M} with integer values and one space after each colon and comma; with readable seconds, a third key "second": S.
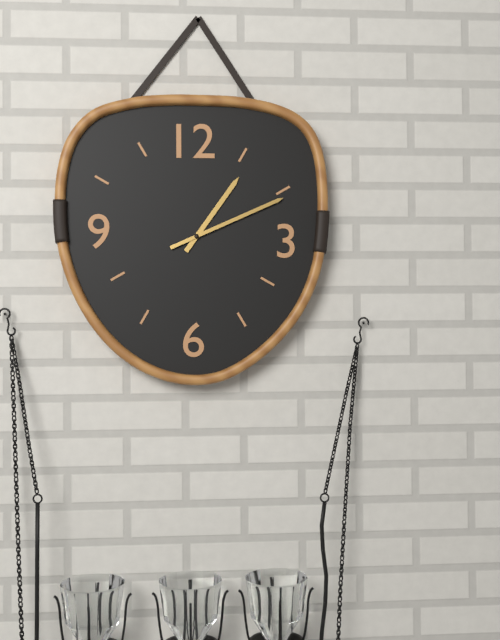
{"hour": 1, "minute": 11}
